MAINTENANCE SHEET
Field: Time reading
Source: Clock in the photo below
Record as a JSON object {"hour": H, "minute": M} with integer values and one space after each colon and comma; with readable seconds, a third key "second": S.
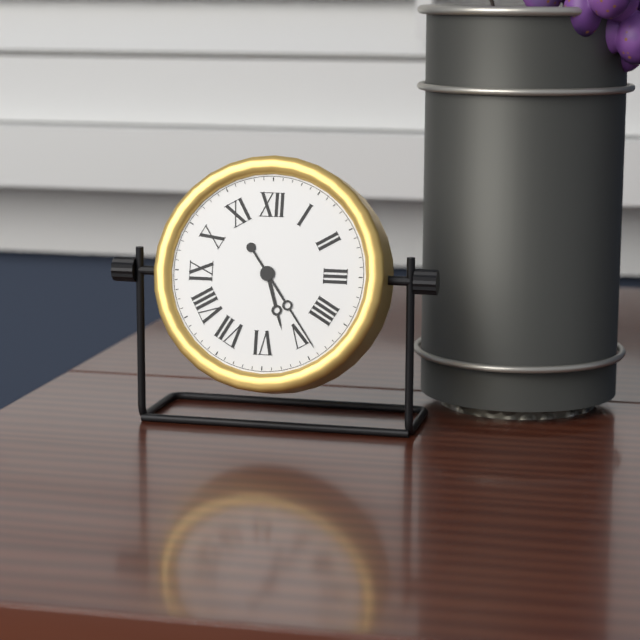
{"hour": 5, "minute": 24}
